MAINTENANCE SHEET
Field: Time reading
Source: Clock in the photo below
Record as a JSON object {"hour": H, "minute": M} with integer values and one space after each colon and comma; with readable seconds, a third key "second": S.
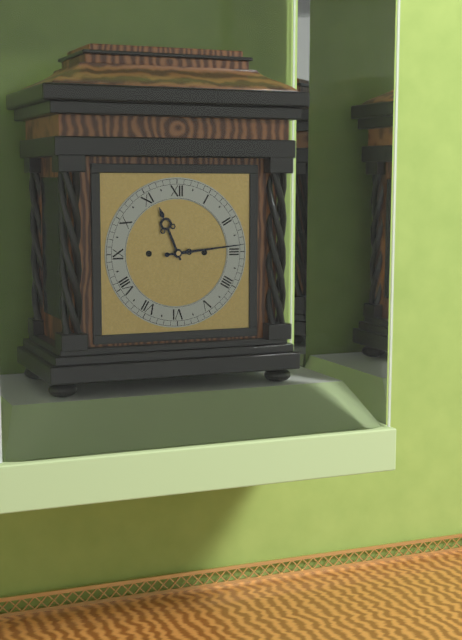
{"hour": 11, "minute": 14}
